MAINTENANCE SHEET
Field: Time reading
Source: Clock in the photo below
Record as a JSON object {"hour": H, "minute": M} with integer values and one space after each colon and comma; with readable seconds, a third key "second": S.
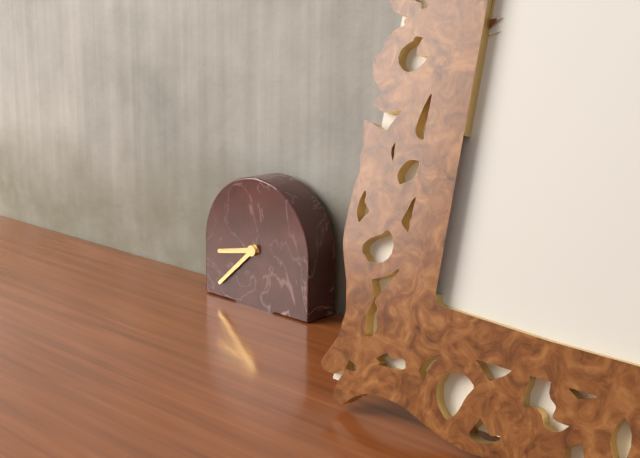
{"hour": 8, "minute": 38}
